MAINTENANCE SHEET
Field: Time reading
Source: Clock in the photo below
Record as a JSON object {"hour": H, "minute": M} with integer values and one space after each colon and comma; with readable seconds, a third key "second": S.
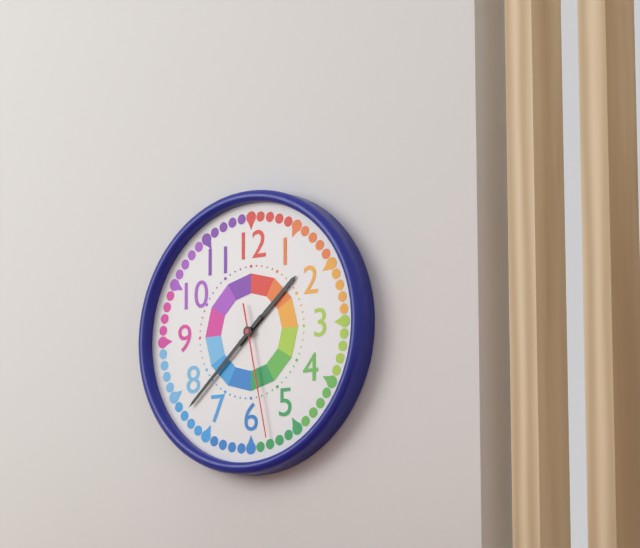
{"hour": 1, "minute": 38, "second": 28}
